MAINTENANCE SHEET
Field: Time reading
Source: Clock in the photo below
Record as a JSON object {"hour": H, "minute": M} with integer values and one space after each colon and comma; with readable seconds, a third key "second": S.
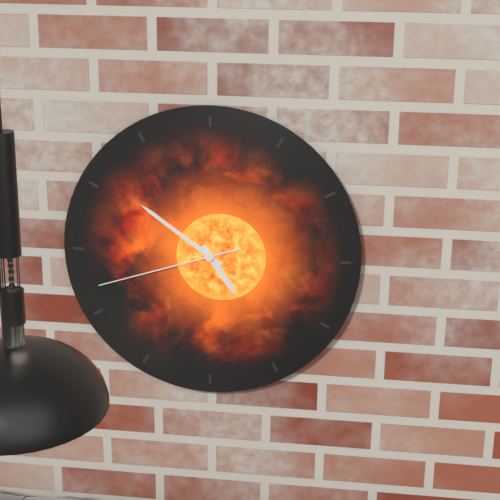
{"hour": 4, "minute": 51, "second": 42}
